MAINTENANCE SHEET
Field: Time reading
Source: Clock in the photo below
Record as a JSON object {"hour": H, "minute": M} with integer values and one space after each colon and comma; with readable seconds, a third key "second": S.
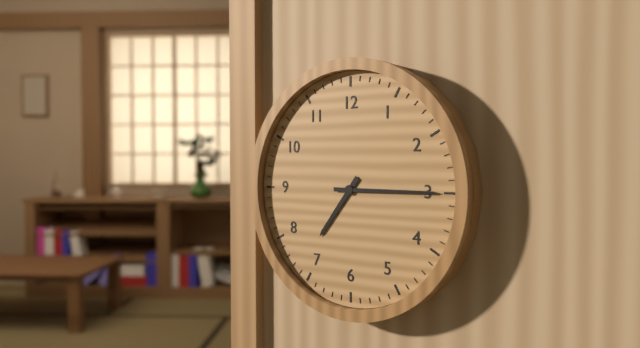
{"hour": 7, "minute": 15}
